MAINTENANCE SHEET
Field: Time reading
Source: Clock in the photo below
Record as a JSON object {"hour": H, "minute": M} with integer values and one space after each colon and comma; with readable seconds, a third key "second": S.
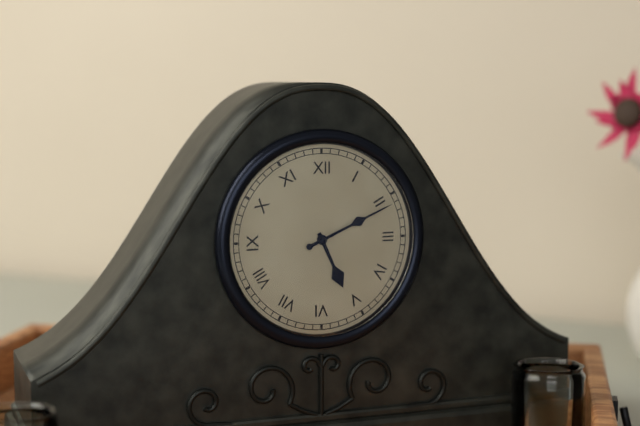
{"hour": 5, "minute": 11}
